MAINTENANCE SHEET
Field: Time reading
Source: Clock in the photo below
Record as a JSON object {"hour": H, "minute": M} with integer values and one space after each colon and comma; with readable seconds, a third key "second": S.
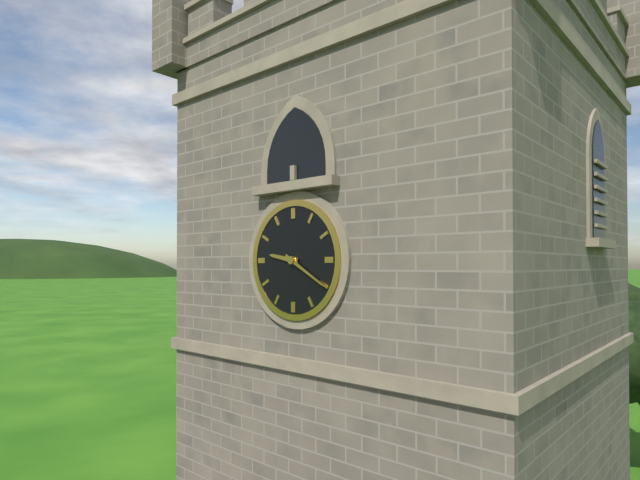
{"hour": 9, "minute": 20}
